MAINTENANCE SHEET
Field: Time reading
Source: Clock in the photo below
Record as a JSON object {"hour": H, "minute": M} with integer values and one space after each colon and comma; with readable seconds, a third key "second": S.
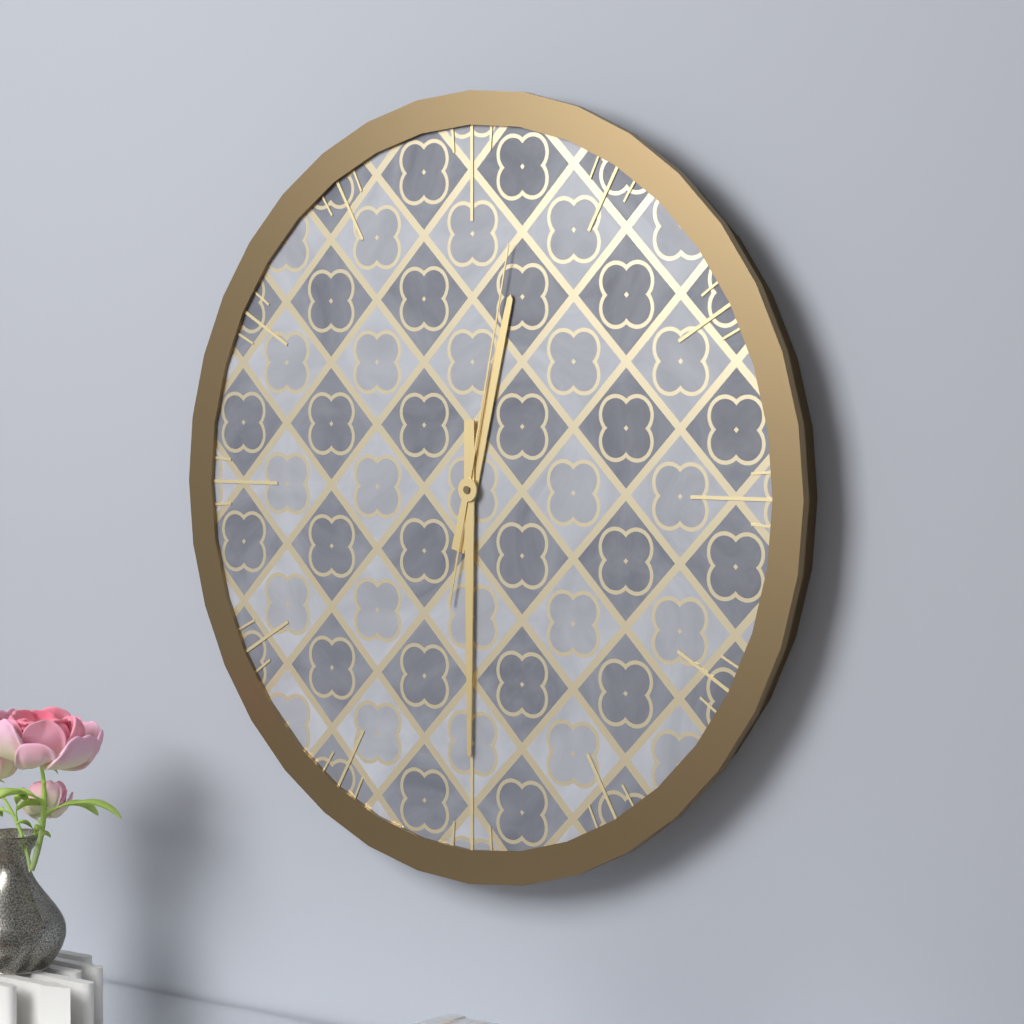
{"hour": 12, "minute": 30, "second": 2}
